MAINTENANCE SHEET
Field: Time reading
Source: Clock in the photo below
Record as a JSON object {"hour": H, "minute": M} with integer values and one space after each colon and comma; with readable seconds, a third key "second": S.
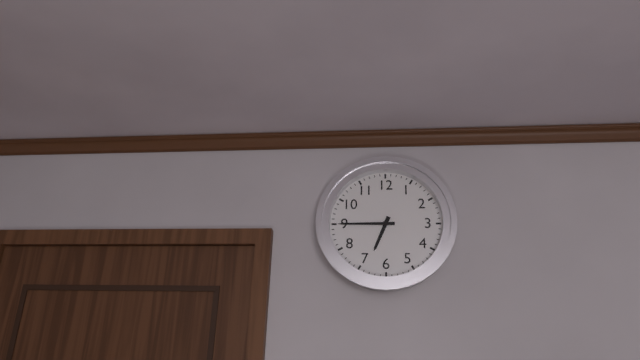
{"hour": 6, "minute": 45}
